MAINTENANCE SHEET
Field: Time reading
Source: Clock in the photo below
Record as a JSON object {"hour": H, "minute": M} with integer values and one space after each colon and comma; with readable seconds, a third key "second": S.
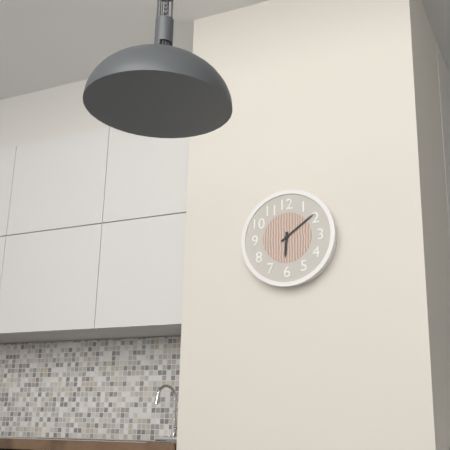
{"hour": 6, "minute": 9}
